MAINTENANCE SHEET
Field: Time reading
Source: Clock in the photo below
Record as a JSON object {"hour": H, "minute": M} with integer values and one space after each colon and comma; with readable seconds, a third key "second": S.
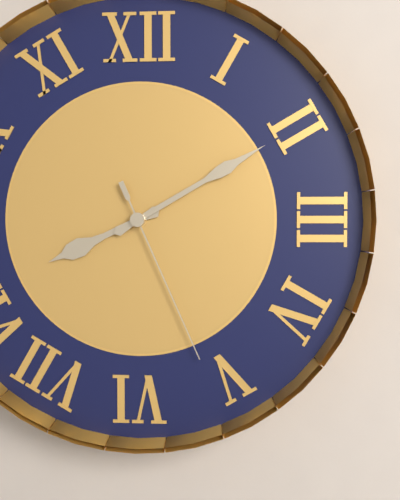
{"hour": 8, "minute": 10, "second": 26}
